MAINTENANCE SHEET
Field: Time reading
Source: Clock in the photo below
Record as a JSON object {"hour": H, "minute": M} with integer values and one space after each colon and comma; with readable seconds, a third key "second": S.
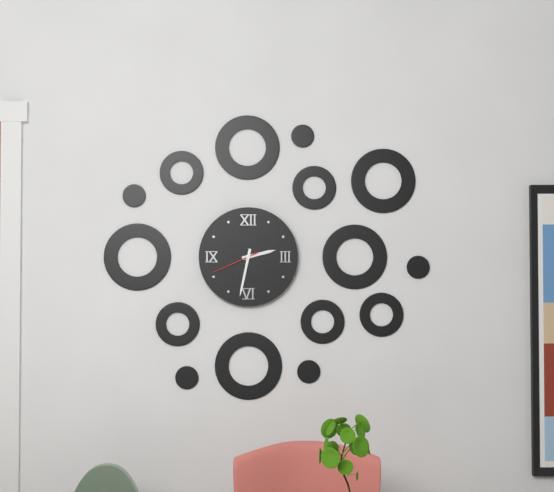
{"hour": 2, "minute": 32}
